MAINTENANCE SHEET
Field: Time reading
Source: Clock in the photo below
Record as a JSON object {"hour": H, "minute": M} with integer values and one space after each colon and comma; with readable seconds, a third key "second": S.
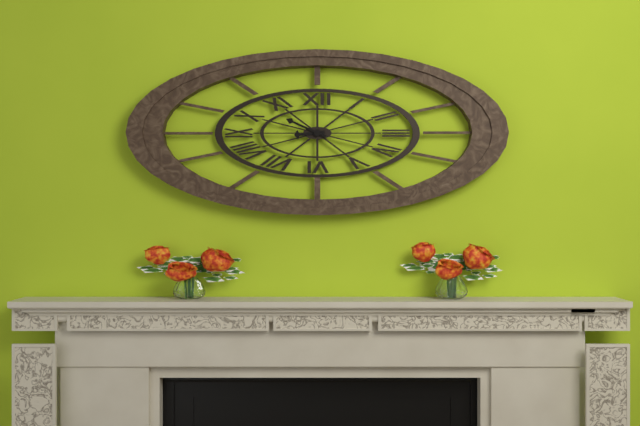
{"hour": 8, "minute": 49}
